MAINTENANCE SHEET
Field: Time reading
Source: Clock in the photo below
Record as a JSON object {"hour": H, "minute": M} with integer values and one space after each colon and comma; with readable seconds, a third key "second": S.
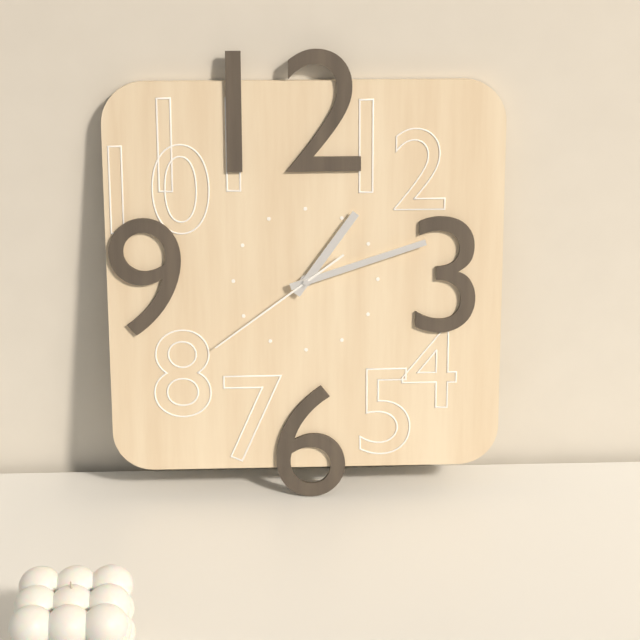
{"hour": 1, "minute": 12, "second": 39}
